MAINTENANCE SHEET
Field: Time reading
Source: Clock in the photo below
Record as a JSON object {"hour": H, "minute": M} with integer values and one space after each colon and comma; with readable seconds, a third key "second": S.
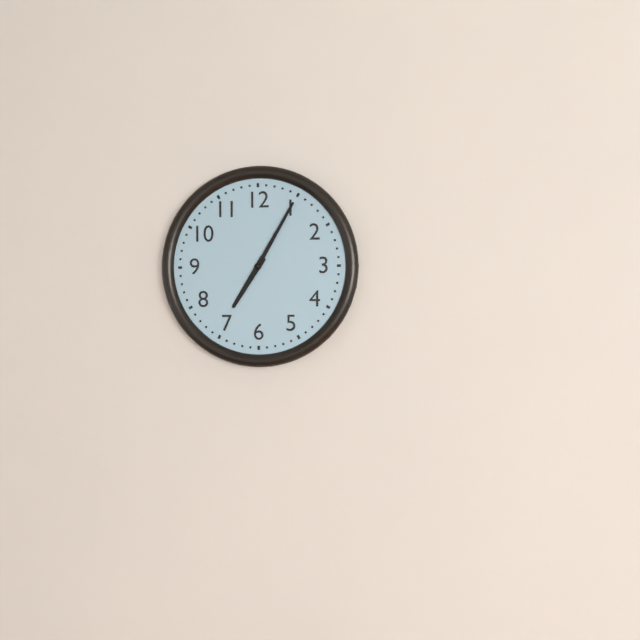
{"hour": 7, "minute": 5}
